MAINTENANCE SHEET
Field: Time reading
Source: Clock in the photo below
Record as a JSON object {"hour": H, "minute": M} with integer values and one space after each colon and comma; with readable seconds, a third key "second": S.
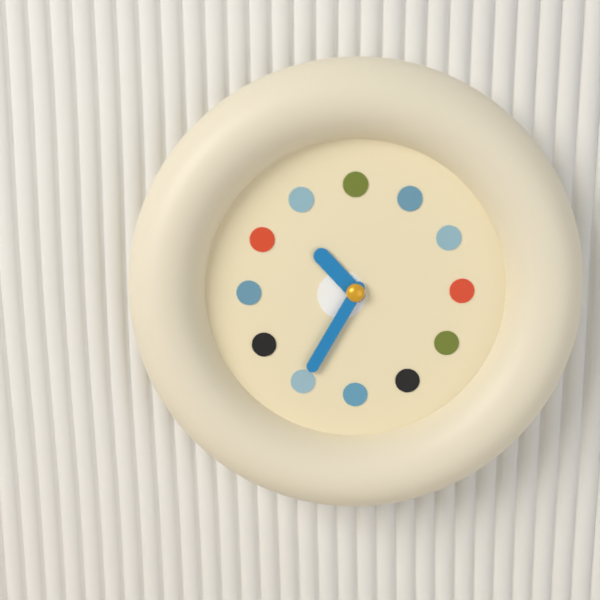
{"hour": 10, "minute": 35}
